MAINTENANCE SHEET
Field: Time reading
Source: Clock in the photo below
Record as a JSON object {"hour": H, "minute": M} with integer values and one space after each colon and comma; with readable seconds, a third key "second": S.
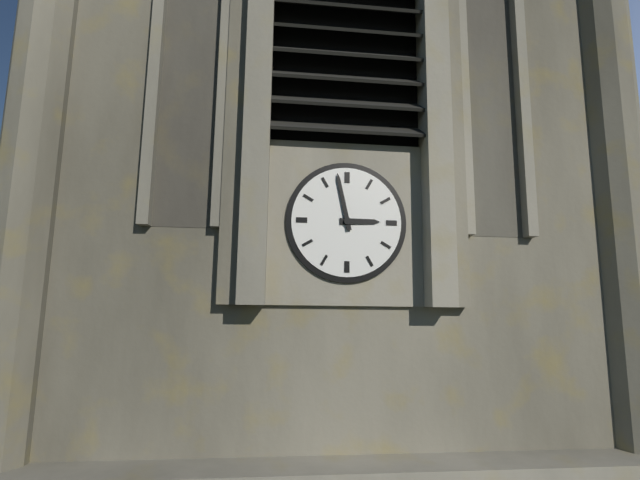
{"hour": 2, "minute": 58}
